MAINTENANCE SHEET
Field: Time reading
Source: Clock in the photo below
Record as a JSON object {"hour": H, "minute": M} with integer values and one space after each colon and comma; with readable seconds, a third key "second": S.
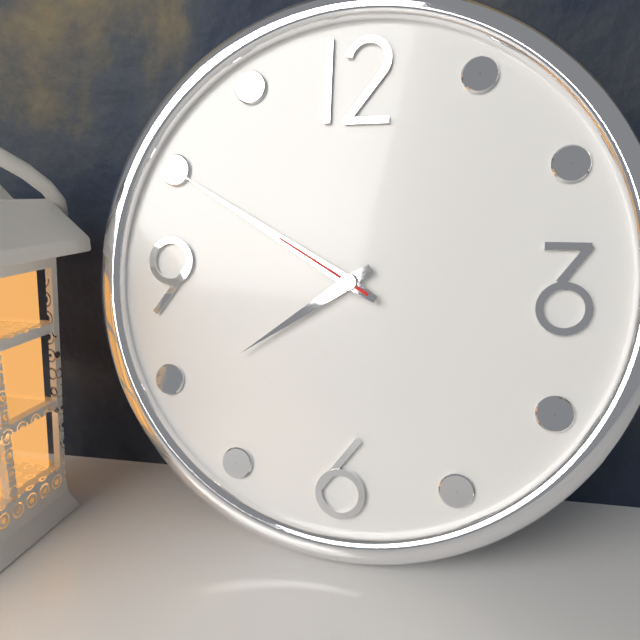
{"hour": 7, "minute": 50, "second": 50}
